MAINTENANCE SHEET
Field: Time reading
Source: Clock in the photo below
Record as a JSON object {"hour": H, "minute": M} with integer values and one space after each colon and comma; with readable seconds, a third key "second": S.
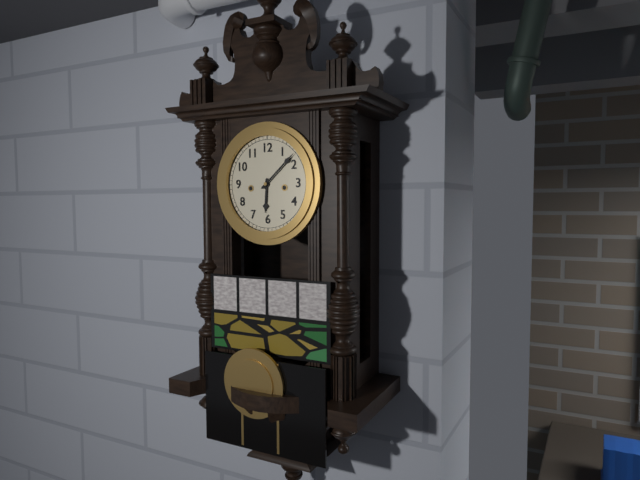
{"hour": 6, "minute": 8}
